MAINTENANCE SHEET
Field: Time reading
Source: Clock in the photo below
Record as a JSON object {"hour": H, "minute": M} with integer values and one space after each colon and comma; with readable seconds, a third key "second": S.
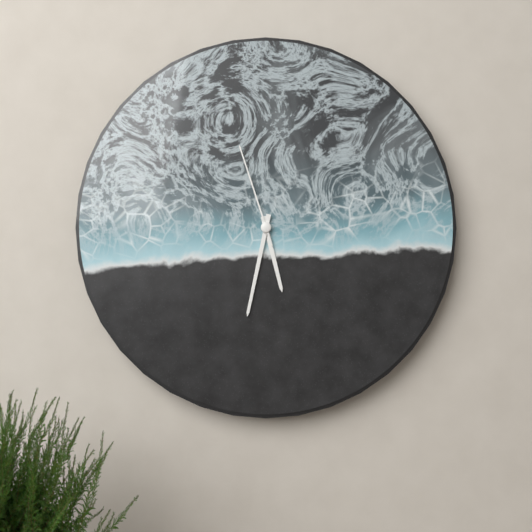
{"hour": 5, "minute": 32, "second": 57}
